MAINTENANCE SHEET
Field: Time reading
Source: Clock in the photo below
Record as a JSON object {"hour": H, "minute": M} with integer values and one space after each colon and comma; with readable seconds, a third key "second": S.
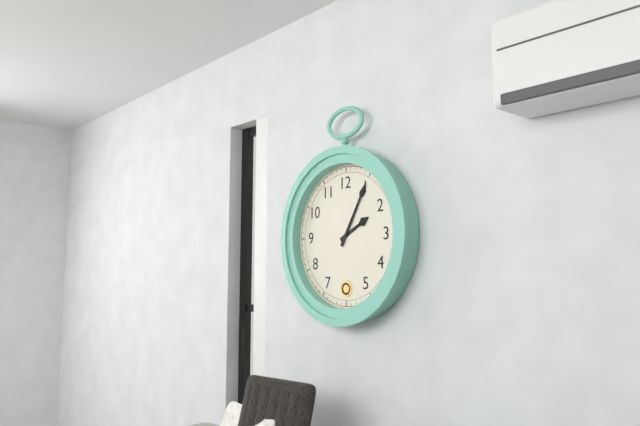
{"hour": 2, "minute": 5}
